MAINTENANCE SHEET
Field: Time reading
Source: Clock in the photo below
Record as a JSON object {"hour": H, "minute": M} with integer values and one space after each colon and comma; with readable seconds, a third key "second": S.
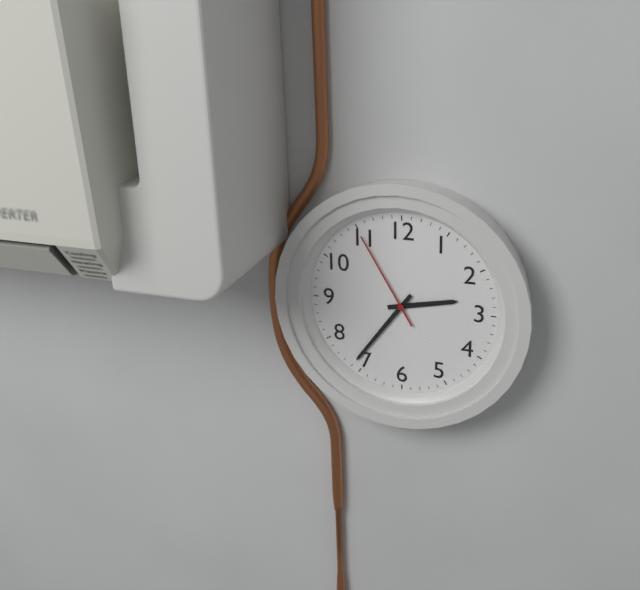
{"hour": 2, "minute": 36, "second": 55}
